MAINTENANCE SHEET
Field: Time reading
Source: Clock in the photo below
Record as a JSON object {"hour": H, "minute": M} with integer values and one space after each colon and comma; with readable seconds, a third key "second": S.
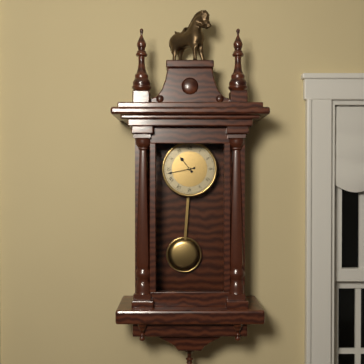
{"hour": 10, "minute": 43}
